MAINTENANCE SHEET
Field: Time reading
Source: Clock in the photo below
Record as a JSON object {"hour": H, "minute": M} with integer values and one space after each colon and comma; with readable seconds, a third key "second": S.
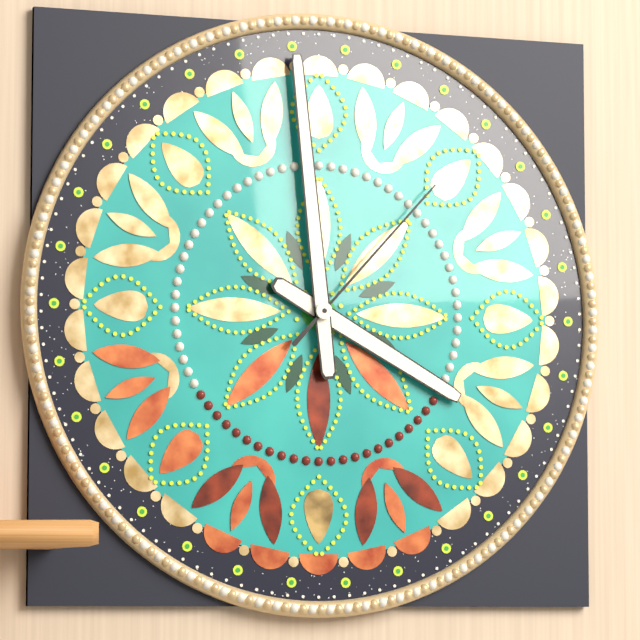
{"hour": 3, "minute": 59, "second": 7}
